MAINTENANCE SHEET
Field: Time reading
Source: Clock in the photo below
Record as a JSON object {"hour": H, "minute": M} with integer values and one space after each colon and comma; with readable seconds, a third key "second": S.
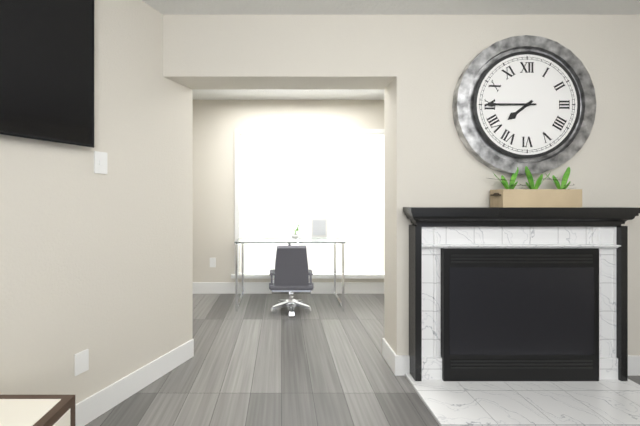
{"hour": 7, "minute": 45}
